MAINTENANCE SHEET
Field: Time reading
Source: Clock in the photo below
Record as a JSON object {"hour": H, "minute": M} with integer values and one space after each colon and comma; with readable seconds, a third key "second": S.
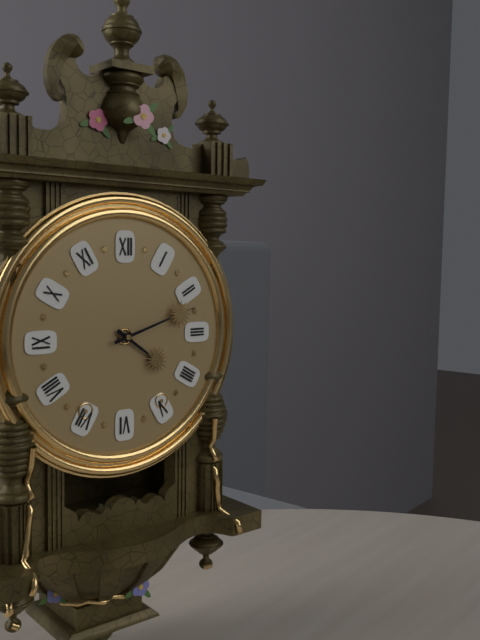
{"hour": 4, "minute": 12}
